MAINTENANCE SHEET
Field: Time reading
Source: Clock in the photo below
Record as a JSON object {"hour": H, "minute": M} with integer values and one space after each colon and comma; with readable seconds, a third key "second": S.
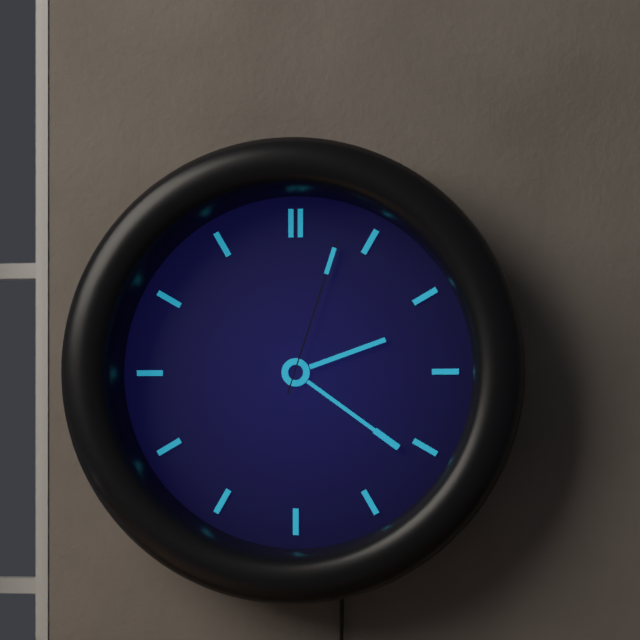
{"hour": 2, "minute": 21, "second": 3}
